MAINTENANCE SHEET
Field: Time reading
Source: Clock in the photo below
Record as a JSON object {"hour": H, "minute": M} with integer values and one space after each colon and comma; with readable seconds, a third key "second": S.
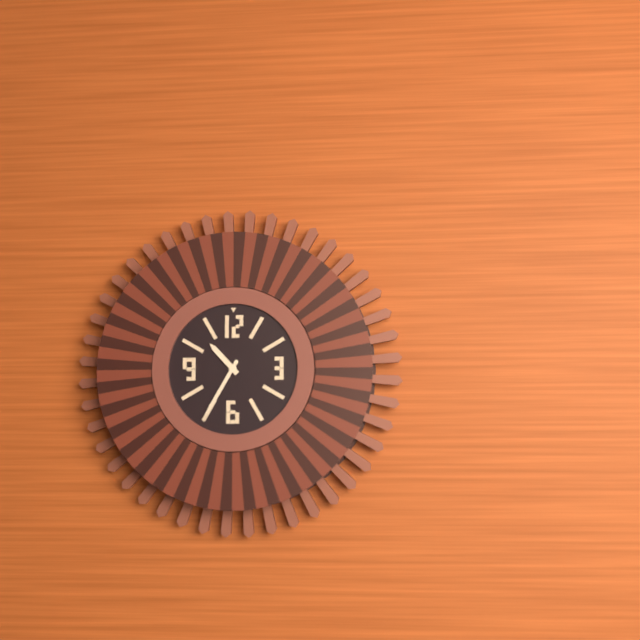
{"hour": 10, "minute": 35}
